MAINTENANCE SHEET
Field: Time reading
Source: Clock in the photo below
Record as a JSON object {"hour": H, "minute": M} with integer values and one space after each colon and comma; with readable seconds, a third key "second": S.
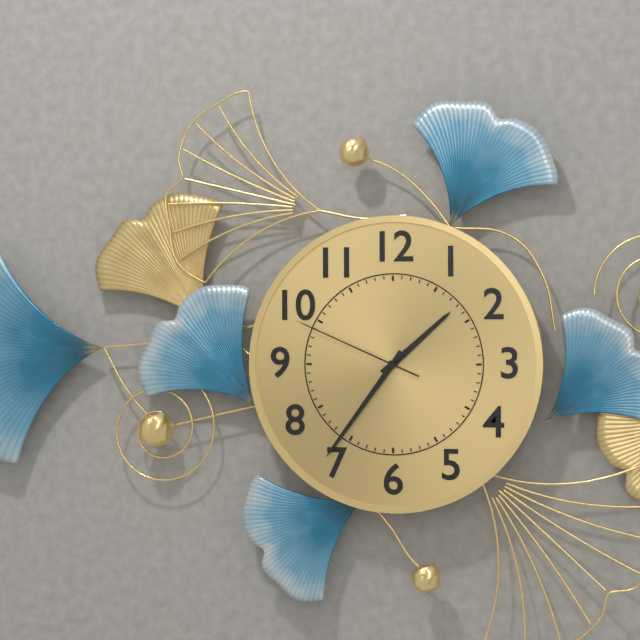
{"hour": 1, "minute": 36, "second": 49}
